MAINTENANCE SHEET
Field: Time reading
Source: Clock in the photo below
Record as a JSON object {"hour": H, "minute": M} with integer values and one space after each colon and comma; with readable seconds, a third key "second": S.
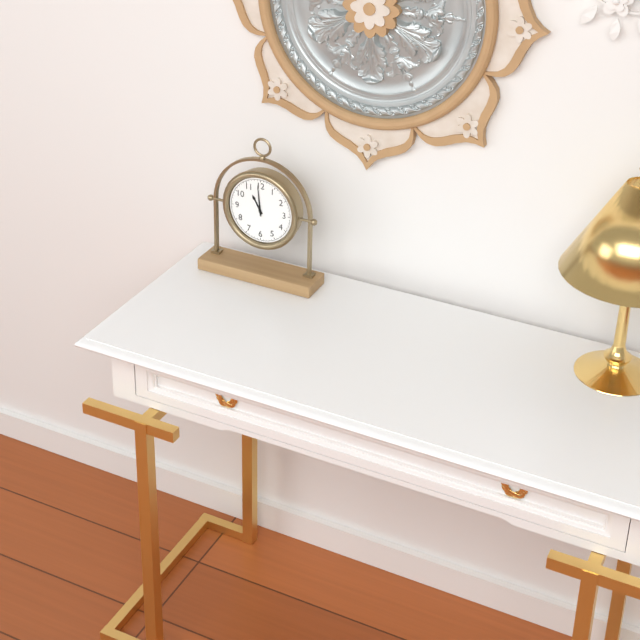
{"hour": 10, "minute": 59}
